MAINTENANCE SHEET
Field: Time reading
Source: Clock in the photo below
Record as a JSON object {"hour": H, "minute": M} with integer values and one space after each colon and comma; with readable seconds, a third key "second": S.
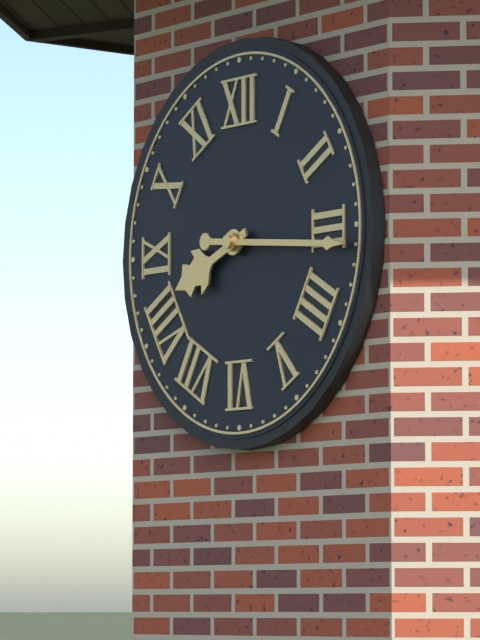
{"hour": 8, "minute": 16}
